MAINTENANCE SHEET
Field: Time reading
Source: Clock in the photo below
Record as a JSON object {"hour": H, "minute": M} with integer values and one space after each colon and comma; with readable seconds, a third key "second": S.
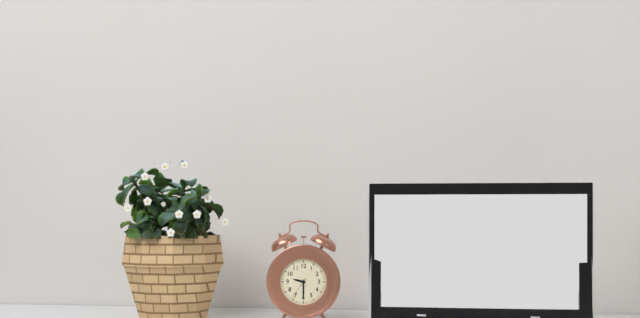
{"hour": 9, "minute": 30}
